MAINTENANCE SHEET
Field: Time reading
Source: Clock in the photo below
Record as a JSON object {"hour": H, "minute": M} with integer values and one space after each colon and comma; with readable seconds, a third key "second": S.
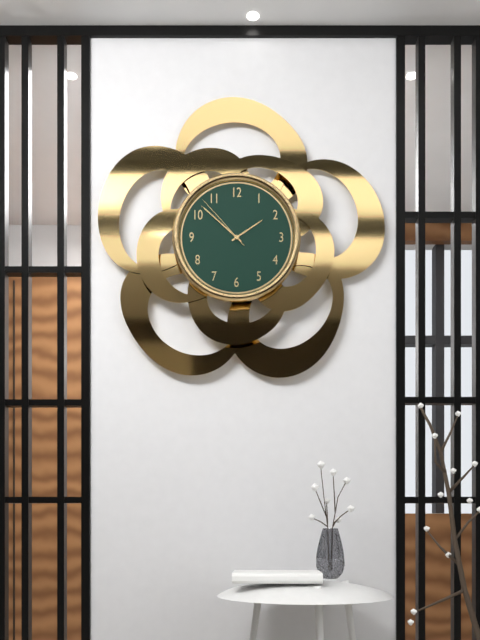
{"hour": 1, "minute": 52, "second": 53}
